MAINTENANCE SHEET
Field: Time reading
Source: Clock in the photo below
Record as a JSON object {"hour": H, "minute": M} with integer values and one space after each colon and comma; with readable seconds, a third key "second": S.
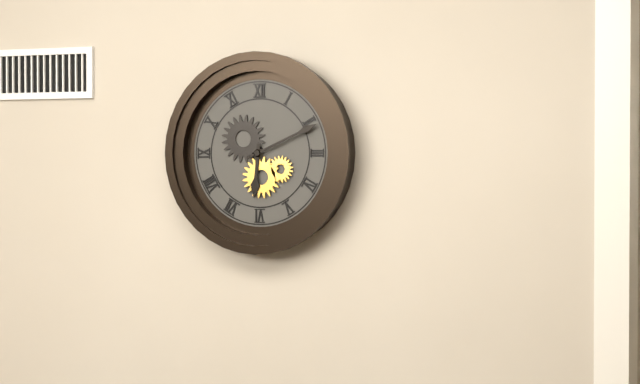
{"hour": 6, "minute": 11}
